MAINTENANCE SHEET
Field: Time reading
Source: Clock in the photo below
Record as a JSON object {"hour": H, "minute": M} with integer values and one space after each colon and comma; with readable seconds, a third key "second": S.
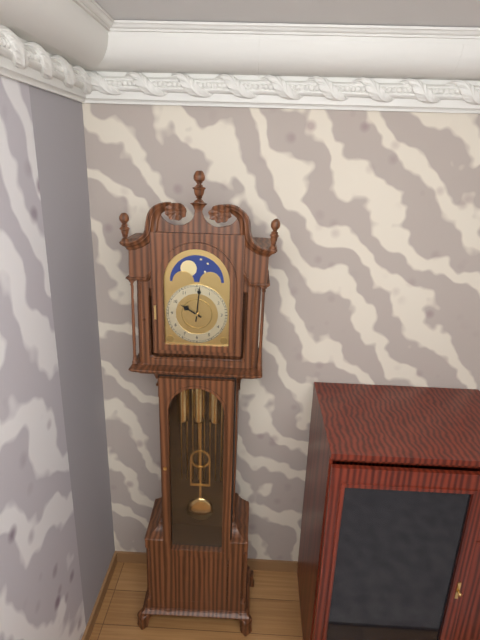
{"hour": 10, "minute": 1}
